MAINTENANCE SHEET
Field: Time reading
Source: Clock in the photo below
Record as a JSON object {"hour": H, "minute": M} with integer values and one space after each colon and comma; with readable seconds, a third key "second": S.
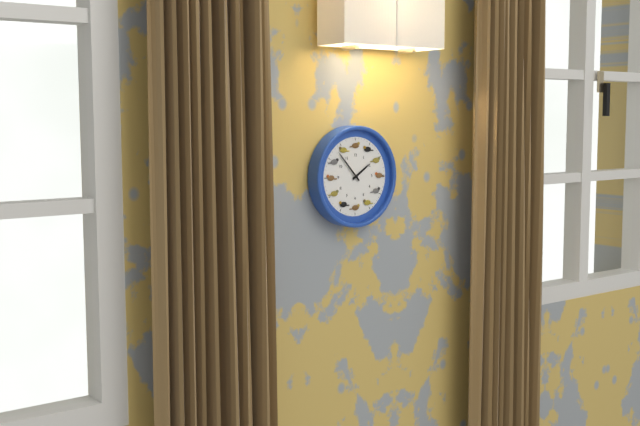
{"hour": 1, "minute": 53}
